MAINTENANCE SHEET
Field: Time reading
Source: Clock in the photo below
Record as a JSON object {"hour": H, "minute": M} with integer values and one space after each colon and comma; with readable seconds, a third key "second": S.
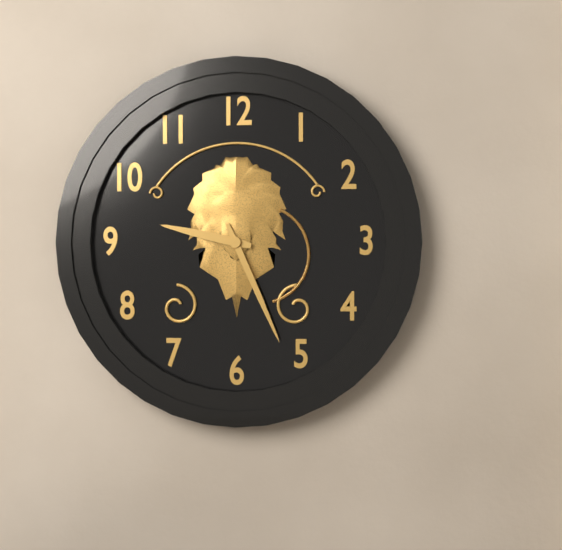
{"hour": 9, "minute": 26}
